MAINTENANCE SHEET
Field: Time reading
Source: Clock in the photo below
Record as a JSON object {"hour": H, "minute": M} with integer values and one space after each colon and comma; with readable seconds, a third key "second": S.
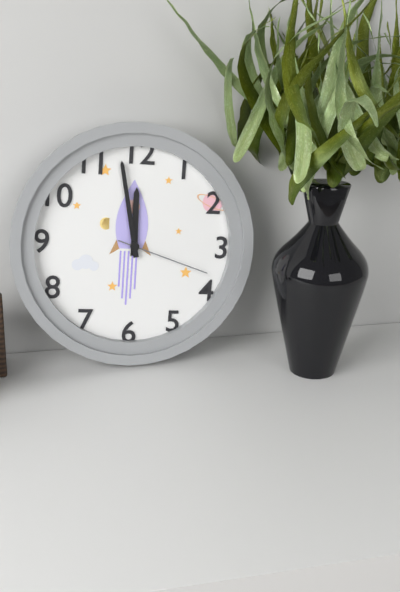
{"hour": 11, "minute": 58, "second": 18}
